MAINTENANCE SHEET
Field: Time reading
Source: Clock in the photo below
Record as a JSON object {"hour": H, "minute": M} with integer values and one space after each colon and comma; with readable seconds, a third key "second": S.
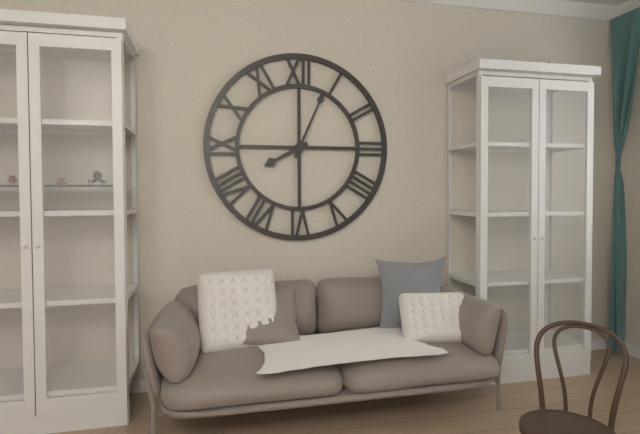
{"hour": 8, "minute": 4}
